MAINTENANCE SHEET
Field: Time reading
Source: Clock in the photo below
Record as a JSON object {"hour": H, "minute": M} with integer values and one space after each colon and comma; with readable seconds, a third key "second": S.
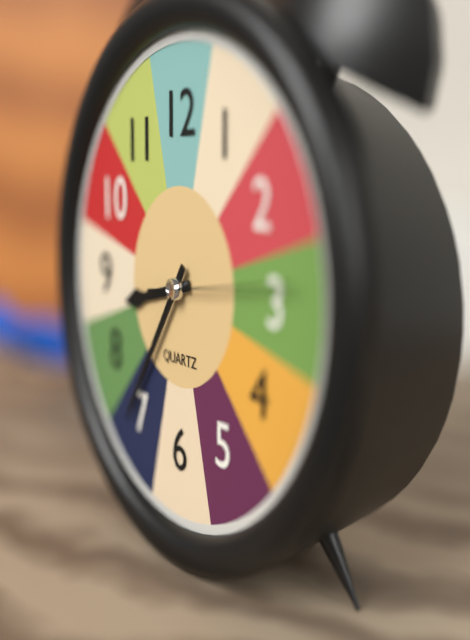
{"hour": 8, "minute": 36, "second": 14}
